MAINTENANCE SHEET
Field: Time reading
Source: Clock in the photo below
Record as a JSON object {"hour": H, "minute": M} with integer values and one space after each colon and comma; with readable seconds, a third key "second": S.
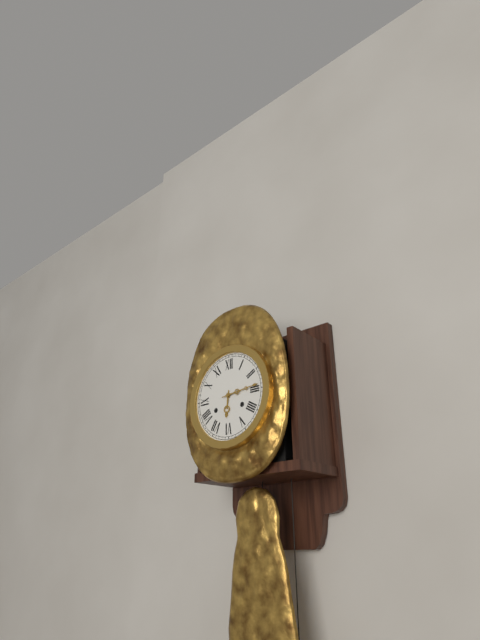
{"hour": 6, "minute": 14}
